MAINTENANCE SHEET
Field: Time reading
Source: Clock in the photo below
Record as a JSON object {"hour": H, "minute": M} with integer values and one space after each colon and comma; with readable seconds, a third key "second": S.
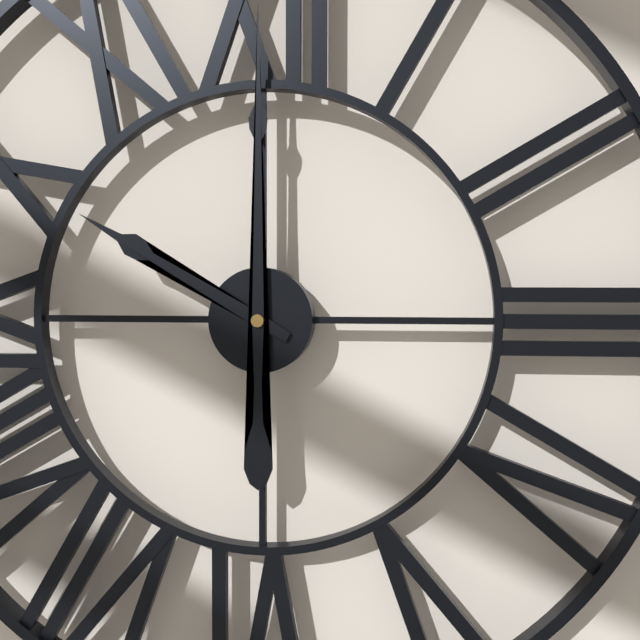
{"hour": 10, "minute": 0}
